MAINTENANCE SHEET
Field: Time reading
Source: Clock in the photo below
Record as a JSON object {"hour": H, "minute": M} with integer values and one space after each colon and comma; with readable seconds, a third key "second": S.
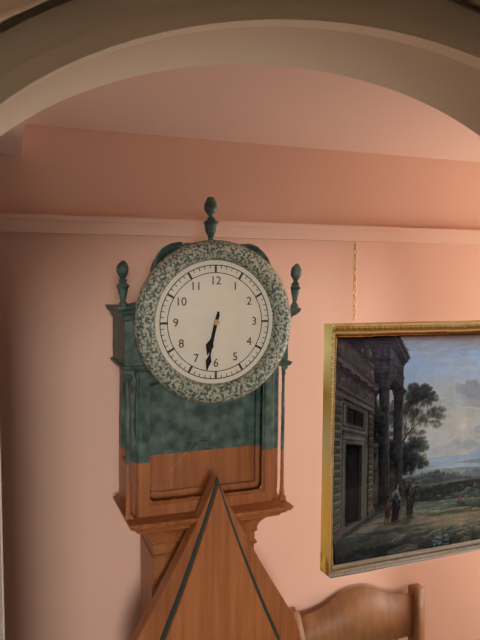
{"hour": 6, "minute": 32}
